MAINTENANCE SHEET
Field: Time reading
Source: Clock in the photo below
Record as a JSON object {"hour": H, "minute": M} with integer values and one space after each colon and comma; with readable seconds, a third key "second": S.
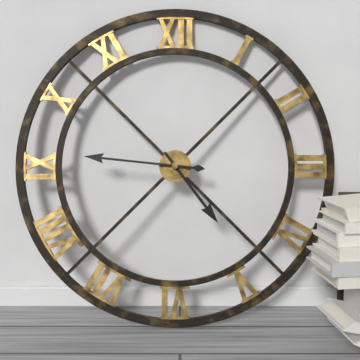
{"hour": 4, "minute": 46}
